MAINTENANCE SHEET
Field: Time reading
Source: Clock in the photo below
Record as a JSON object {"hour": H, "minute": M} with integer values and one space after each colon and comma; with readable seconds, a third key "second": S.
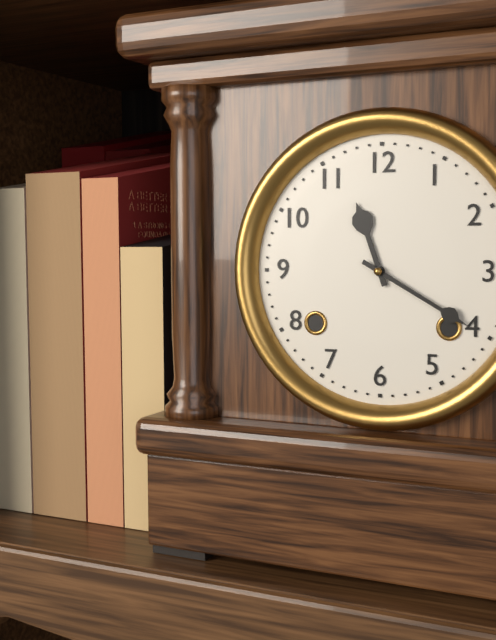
{"hour": 11, "minute": 20}
